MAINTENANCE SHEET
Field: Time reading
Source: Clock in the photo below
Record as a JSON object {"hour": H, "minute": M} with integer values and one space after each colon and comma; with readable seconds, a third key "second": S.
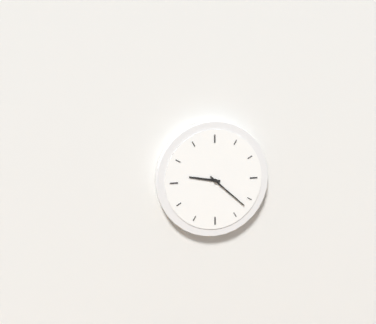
{"hour": 9, "minute": 22}
